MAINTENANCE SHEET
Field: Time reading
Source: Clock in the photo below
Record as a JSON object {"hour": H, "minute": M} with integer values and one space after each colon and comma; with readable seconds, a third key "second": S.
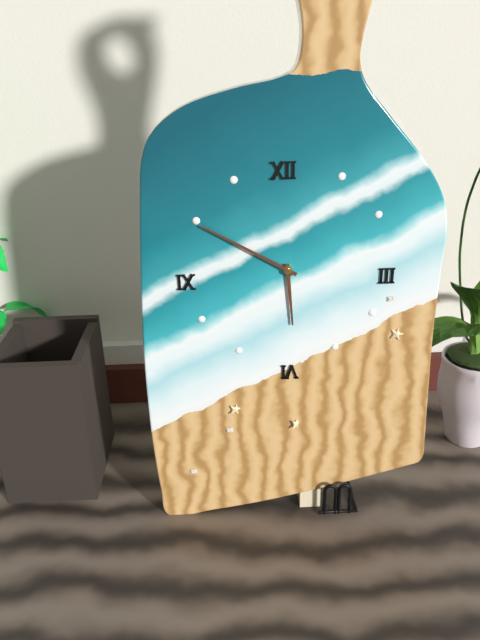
{"hour": 5, "minute": 50}
